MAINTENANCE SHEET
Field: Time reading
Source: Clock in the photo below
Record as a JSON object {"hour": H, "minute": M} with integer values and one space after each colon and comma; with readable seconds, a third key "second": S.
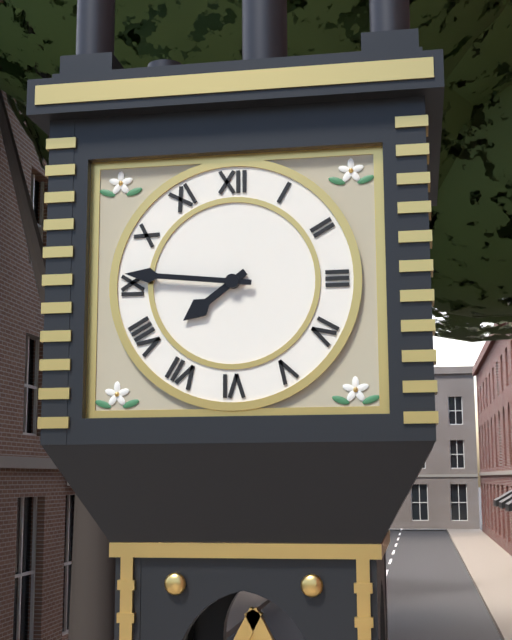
{"hour": 7, "minute": 46}
